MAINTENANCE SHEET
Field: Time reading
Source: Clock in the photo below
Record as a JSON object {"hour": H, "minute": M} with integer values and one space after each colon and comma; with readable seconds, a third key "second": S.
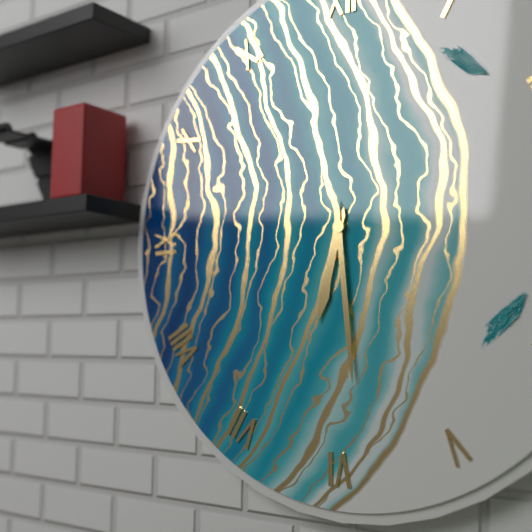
{"hour": 6, "minute": 29}
